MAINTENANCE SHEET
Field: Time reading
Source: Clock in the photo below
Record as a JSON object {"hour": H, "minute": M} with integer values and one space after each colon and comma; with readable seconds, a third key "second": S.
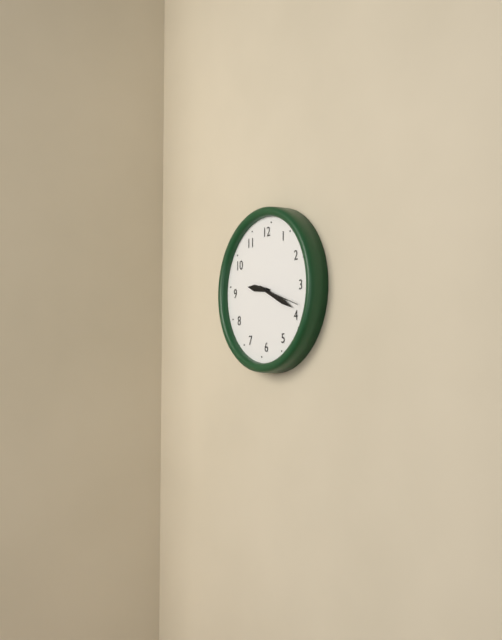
{"hour": 9, "minute": 19}
